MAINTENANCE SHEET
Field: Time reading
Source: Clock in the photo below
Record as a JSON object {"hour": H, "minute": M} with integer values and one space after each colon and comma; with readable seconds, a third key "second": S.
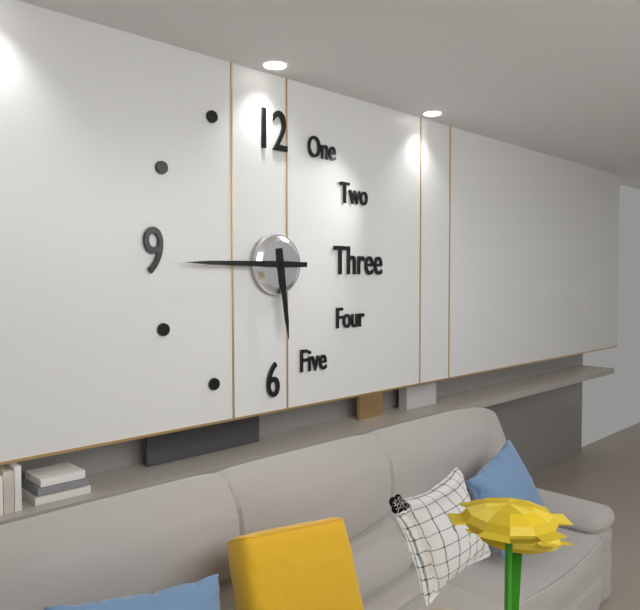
{"hour": 5, "minute": 45}
